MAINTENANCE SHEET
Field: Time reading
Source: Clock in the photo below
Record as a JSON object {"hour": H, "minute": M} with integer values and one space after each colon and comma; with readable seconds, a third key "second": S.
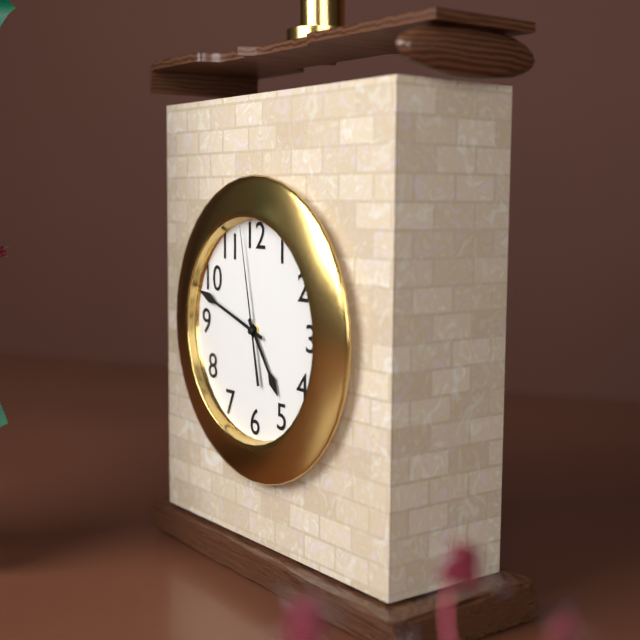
{"hour": 4, "minute": 48, "second": 58}
